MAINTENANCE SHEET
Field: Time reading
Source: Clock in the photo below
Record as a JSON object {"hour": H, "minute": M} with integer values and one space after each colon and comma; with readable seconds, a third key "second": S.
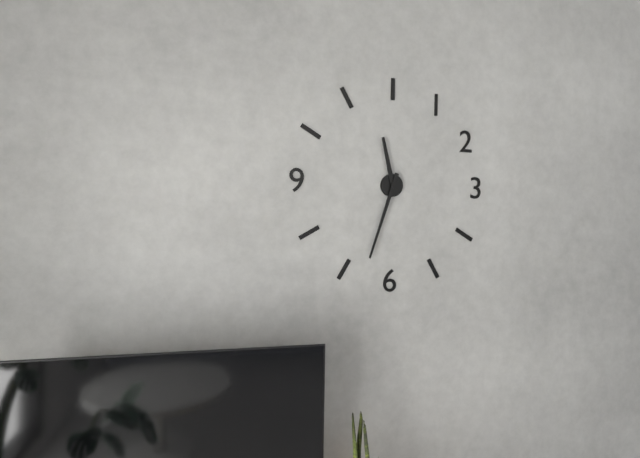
{"hour": 11, "minute": 33}
